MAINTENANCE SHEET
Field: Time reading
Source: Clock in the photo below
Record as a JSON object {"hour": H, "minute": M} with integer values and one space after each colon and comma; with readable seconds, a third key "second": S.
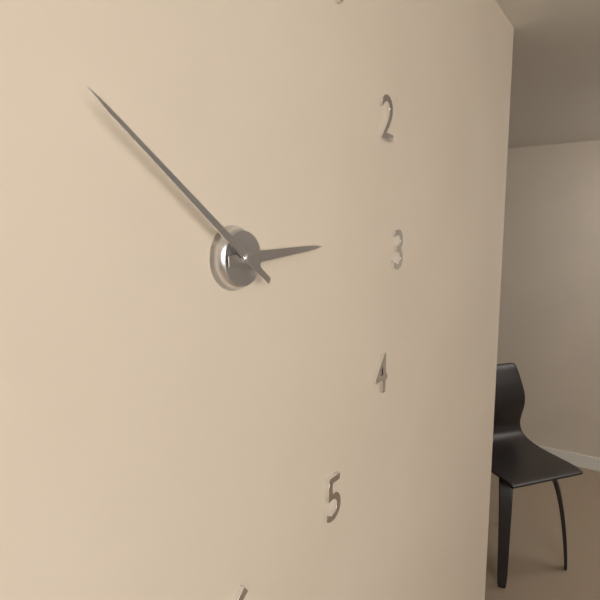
{"hour": 2, "minute": 51}
